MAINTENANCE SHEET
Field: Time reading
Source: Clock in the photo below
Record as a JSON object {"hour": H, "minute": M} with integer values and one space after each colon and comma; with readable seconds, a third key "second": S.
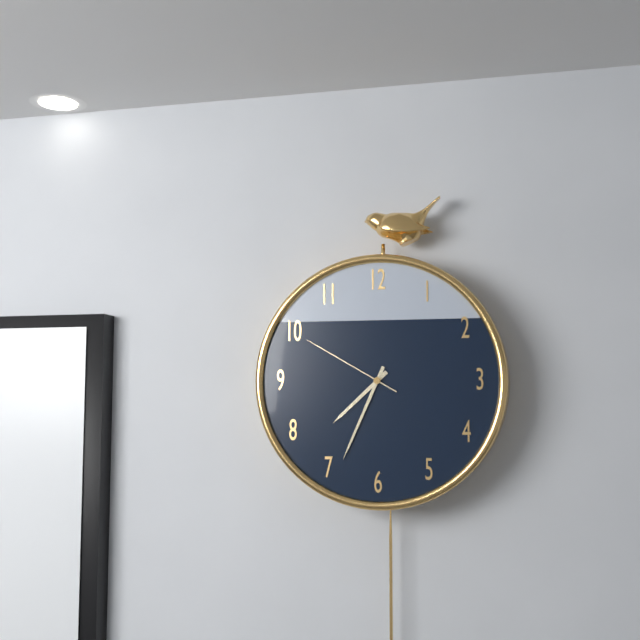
{"hour": 7, "minute": 34, "second": 50}
